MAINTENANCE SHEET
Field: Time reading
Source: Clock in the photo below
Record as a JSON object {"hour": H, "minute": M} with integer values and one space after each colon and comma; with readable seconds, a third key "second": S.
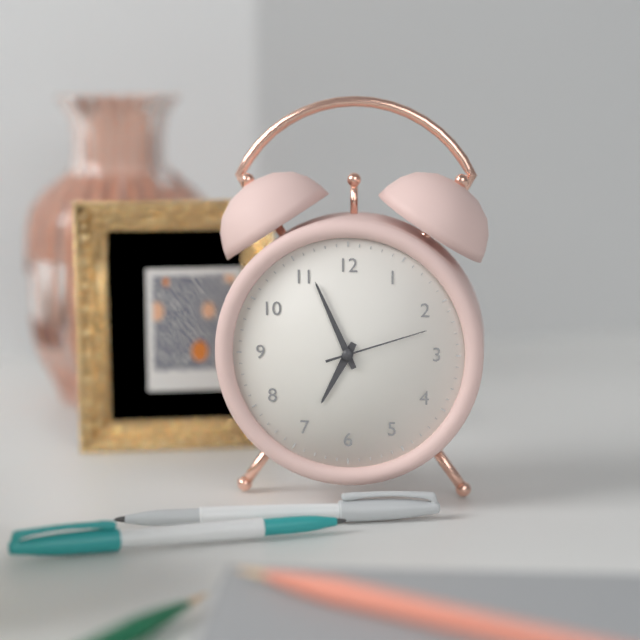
{"hour": 6, "minute": 56, "second": 12}
